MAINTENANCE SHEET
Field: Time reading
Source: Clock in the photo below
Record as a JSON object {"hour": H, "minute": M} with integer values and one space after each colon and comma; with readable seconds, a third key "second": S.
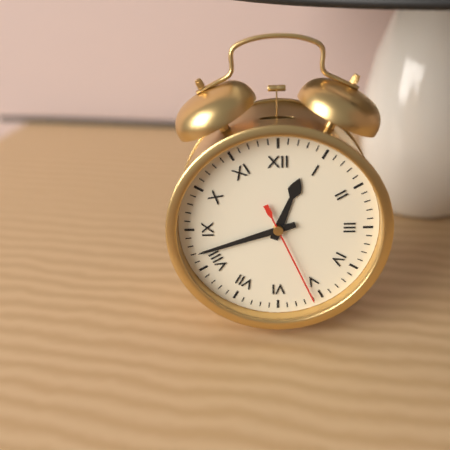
{"hour": 12, "minute": 42, "second": 26}
